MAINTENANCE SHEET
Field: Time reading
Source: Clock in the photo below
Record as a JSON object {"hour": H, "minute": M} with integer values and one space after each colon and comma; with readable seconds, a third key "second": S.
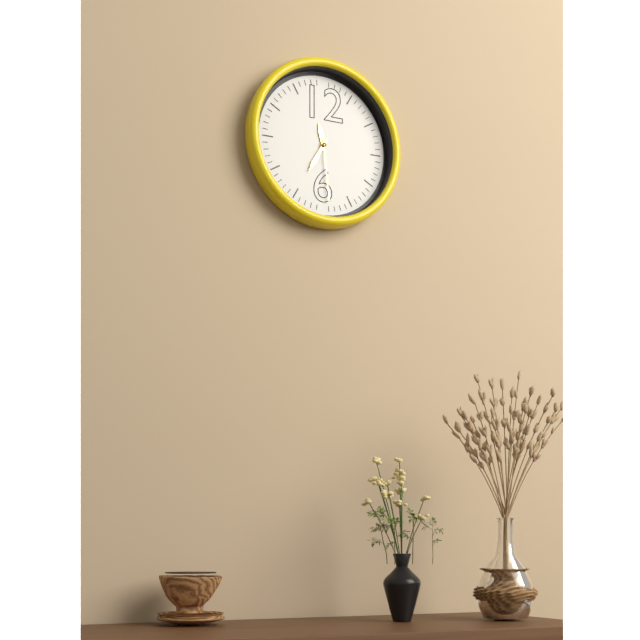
{"hour": 11, "minute": 35, "second": 29}
